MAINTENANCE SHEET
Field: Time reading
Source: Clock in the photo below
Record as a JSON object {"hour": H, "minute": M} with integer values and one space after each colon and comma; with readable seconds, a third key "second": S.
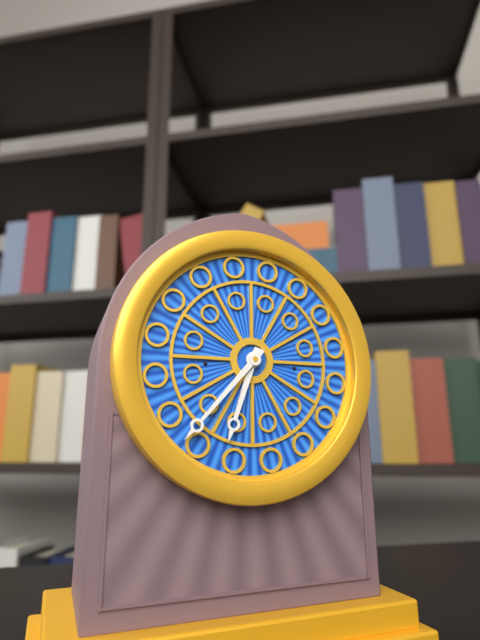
{"hour": 6, "minute": 37}
